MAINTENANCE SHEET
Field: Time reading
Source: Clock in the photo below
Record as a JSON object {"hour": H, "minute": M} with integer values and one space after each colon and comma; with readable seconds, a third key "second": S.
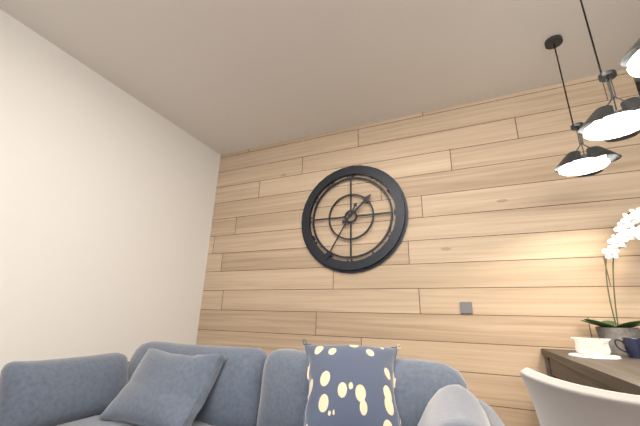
{"hour": 1, "minute": 35}
